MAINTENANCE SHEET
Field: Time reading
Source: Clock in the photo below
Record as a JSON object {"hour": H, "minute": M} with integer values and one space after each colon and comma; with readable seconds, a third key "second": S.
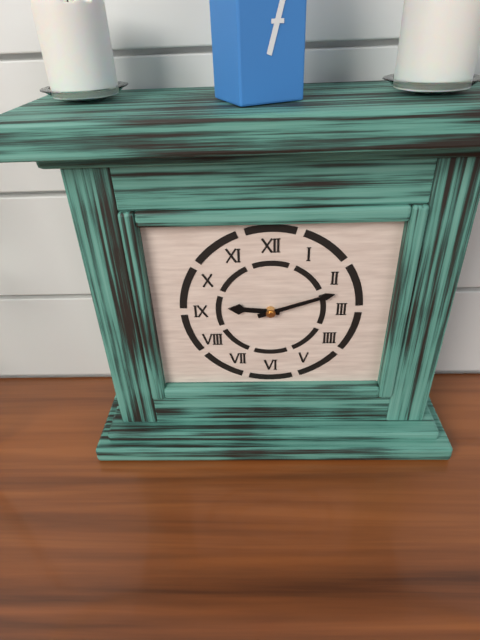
{"hour": 9, "minute": 12}
